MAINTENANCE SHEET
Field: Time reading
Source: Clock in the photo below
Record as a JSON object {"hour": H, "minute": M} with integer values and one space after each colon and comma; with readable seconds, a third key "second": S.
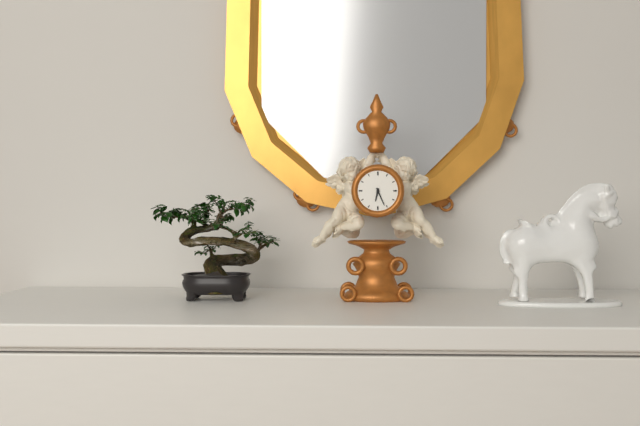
{"hour": 6, "minute": 26}
